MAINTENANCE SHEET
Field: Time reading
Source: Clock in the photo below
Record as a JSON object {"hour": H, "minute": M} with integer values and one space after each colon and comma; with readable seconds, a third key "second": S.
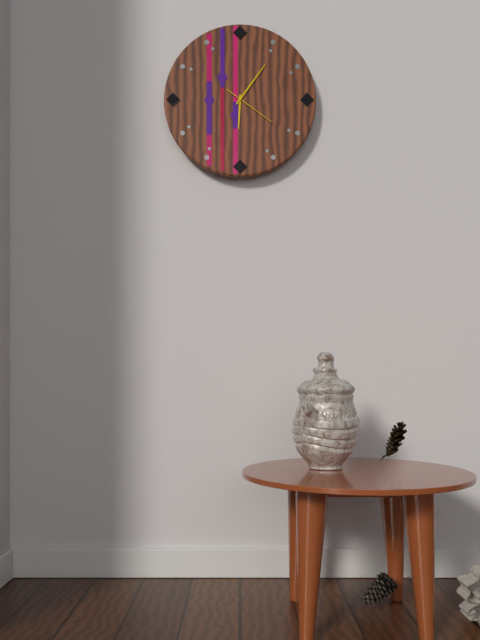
{"hour": 6, "minute": 6}
